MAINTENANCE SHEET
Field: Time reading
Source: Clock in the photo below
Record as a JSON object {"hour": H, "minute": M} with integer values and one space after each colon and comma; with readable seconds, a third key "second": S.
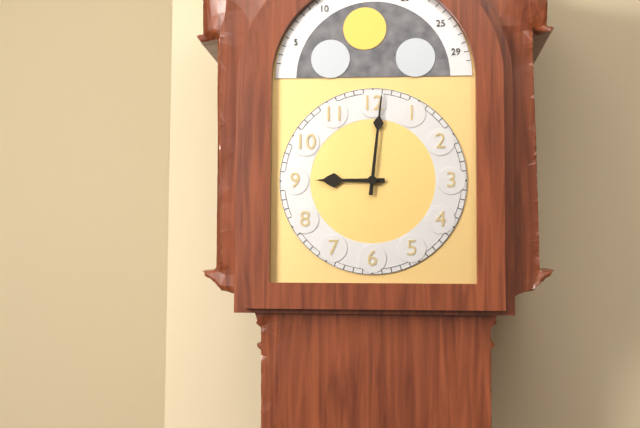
{"hour": 9, "minute": 1}
